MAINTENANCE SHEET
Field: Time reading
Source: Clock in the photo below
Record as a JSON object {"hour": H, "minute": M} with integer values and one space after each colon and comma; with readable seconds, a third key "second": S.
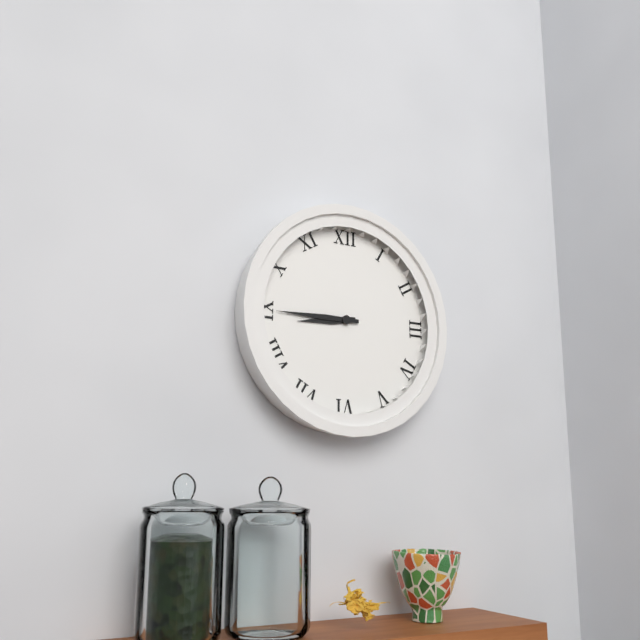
{"hour": 8, "minute": 45}
